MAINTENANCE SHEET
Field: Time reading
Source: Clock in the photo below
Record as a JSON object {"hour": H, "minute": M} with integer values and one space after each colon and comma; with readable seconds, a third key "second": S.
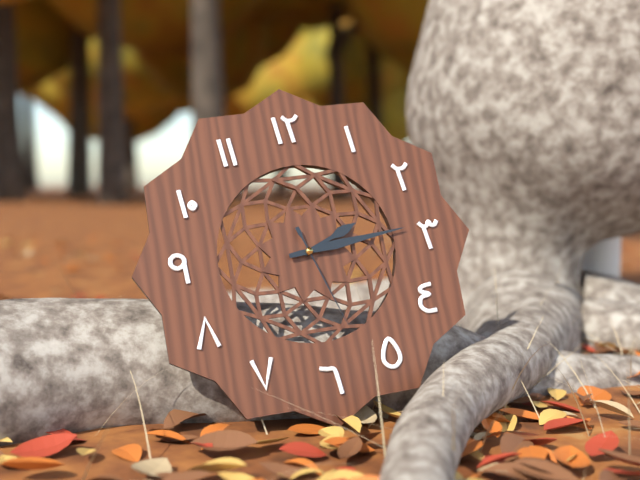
{"hour": 2, "minute": 14, "second": 27}
